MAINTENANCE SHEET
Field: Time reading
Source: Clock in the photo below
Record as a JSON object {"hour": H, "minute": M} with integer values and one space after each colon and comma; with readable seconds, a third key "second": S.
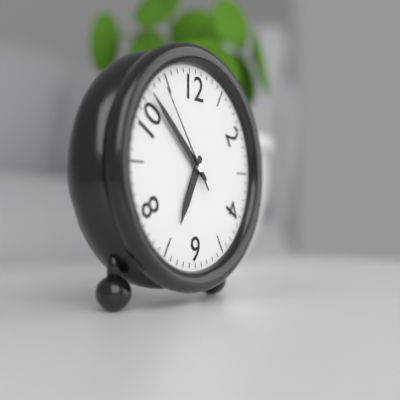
{"hour": 6, "minute": 52, "second": 54}
